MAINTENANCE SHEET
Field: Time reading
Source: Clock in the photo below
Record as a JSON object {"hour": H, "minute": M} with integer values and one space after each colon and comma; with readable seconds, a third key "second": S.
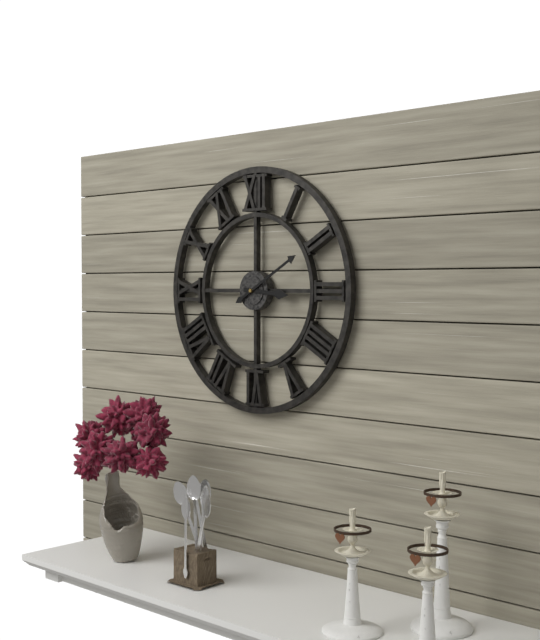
{"hour": 3, "minute": 10}
